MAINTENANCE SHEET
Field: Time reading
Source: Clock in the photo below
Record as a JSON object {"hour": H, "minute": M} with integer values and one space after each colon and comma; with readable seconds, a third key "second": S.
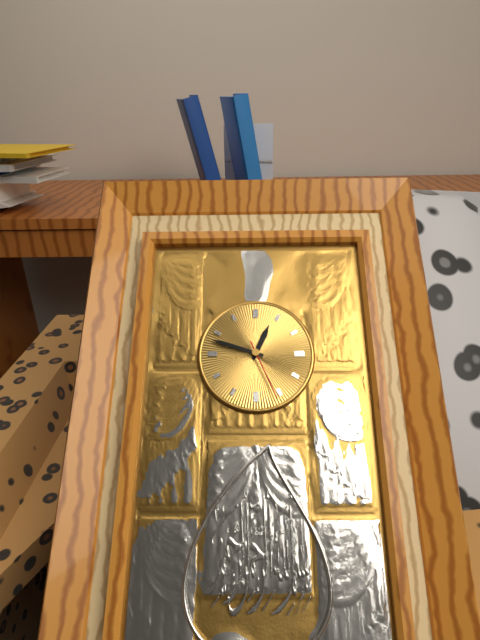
{"hour": 12, "minute": 48, "second": 26}
